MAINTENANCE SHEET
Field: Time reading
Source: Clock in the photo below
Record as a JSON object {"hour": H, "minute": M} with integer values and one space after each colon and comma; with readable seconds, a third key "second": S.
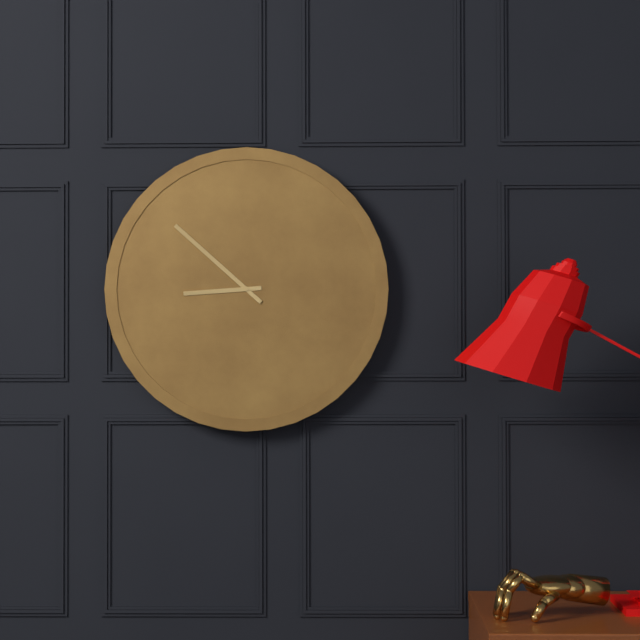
{"hour": 8, "minute": 52}
